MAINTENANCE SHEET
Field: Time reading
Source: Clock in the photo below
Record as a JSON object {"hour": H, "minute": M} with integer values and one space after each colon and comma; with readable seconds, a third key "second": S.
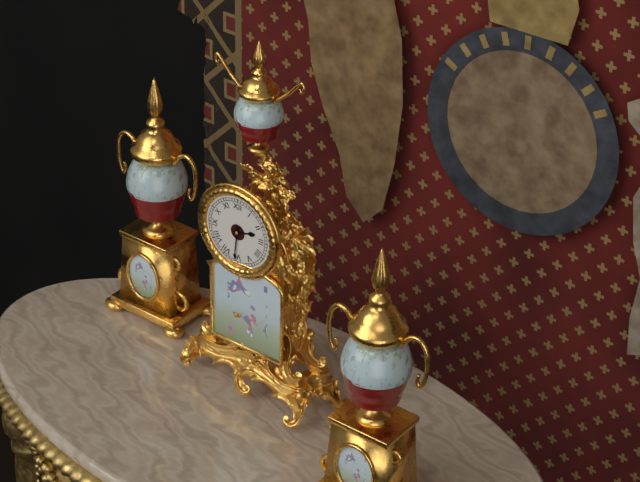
{"hour": 2, "minute": 31}
